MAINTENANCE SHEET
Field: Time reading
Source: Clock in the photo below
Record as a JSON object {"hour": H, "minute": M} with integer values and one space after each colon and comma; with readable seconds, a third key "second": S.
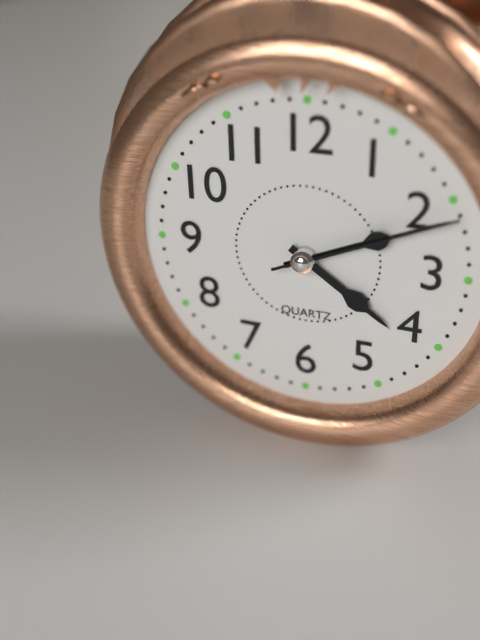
{"hour": 4, "minute": 11, "second": 11}
